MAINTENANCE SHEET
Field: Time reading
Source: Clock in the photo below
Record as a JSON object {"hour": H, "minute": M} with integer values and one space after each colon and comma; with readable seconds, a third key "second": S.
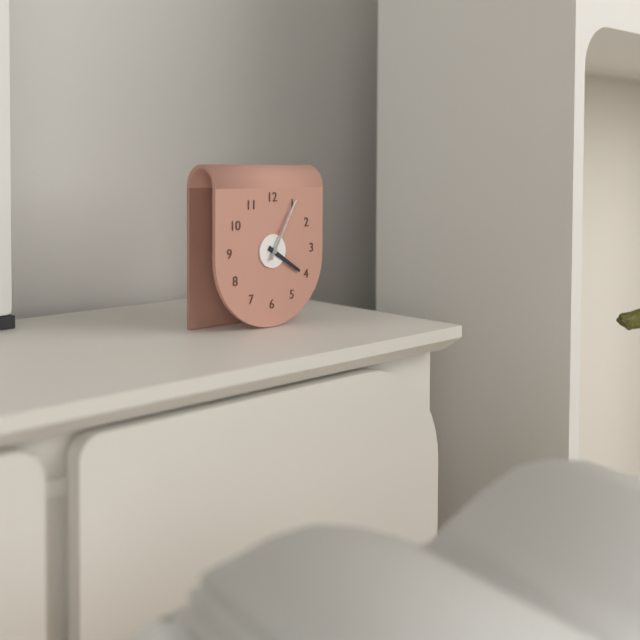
{"hour": 4, "minute": 5}
